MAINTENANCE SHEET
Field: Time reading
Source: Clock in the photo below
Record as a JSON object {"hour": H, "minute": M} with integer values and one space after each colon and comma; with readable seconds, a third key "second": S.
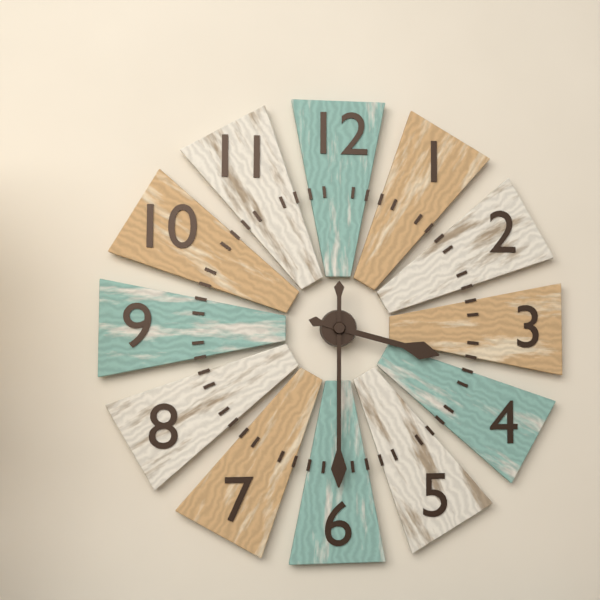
{"hour": 3, "minute": 30}
